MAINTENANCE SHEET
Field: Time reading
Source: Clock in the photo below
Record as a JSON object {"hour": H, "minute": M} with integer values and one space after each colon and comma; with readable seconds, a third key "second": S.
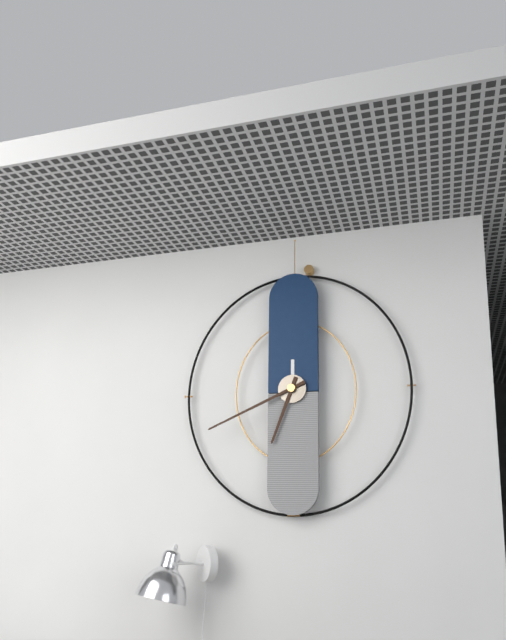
{"hour": 6, "minute": 41}
